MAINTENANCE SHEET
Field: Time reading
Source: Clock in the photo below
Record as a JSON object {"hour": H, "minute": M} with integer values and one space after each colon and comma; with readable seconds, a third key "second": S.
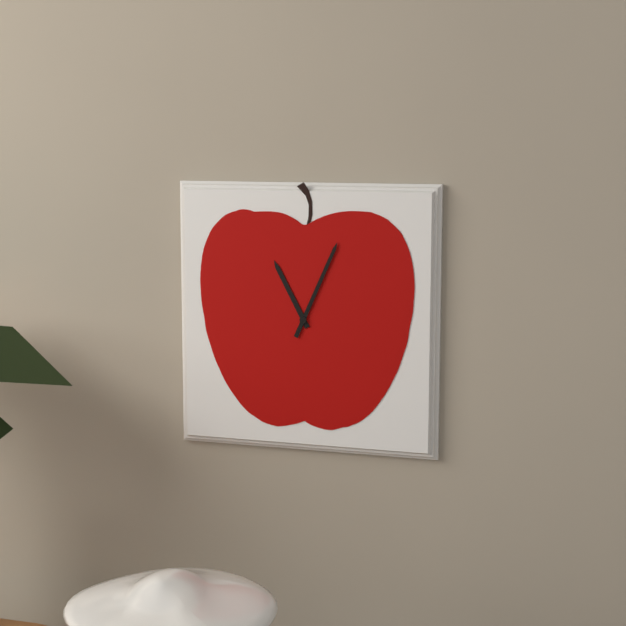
{"hour": 11, "minute": 4}
